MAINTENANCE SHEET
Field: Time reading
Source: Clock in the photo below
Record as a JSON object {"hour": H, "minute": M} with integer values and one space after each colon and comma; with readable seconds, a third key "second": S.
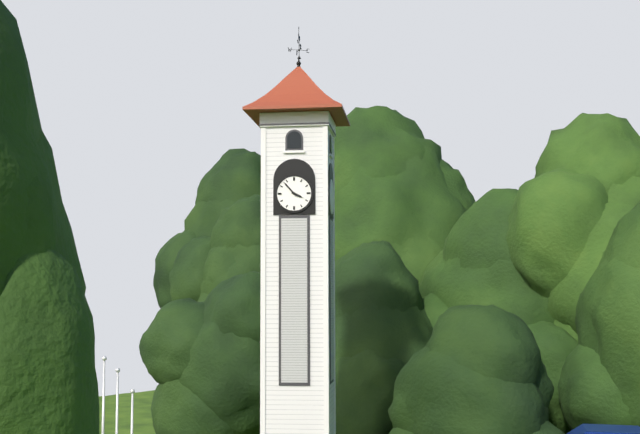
{"hour": 3, "minute": 53}
